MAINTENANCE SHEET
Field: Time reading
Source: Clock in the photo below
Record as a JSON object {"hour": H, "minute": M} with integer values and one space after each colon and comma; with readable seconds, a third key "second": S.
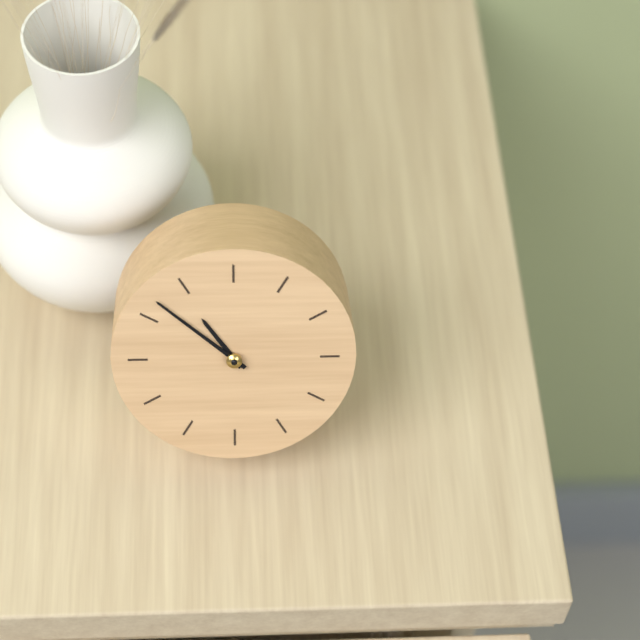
{"hour": 10, "minute": 52}
